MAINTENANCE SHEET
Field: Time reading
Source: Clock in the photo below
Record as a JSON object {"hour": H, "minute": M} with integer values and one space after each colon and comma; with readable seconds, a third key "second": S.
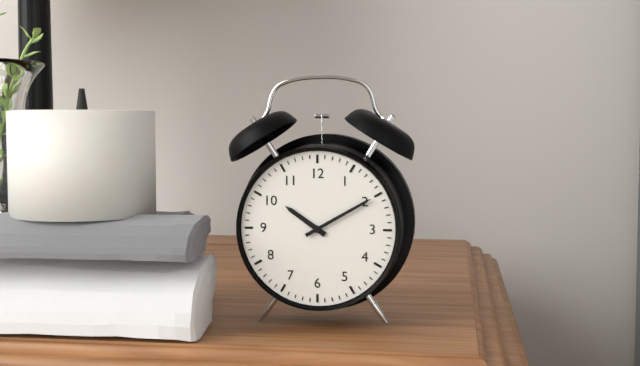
{"hour": 10, "minute": 10}
